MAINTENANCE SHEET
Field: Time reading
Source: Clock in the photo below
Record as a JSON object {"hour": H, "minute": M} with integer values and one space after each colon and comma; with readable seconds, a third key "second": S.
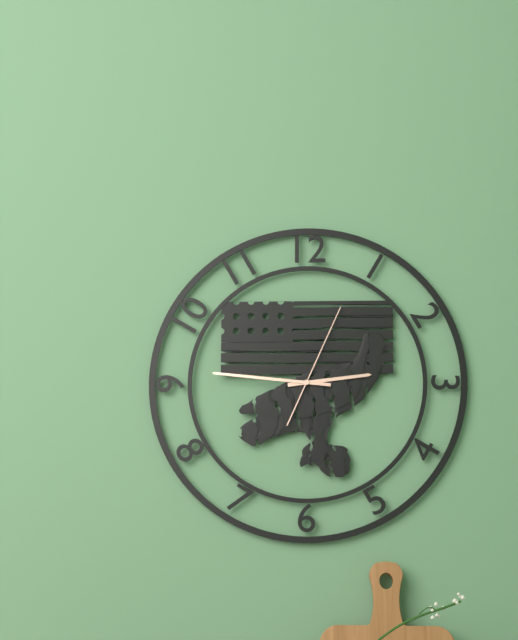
{"hour": 2, "minute": 46, "second": 4}
